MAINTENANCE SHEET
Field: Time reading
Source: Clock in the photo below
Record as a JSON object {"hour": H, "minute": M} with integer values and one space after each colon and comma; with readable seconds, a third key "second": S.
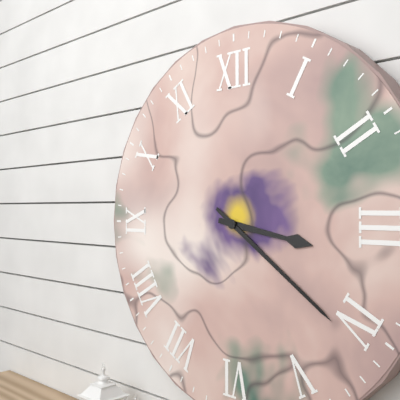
{"hour": 3, "minute": 21}
